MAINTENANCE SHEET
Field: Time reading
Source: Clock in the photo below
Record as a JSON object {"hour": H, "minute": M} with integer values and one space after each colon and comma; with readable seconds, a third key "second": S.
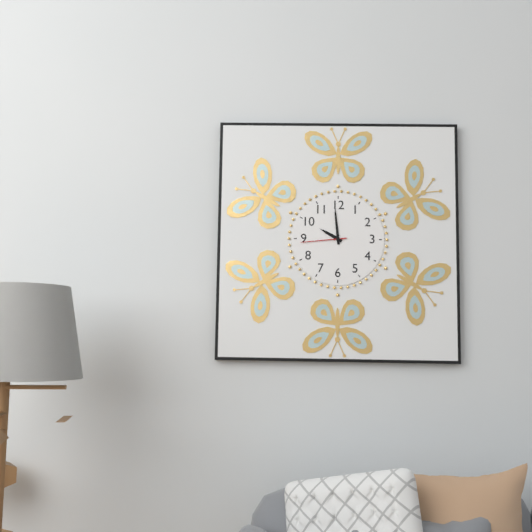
{"hour": 9, "minute": 59}
